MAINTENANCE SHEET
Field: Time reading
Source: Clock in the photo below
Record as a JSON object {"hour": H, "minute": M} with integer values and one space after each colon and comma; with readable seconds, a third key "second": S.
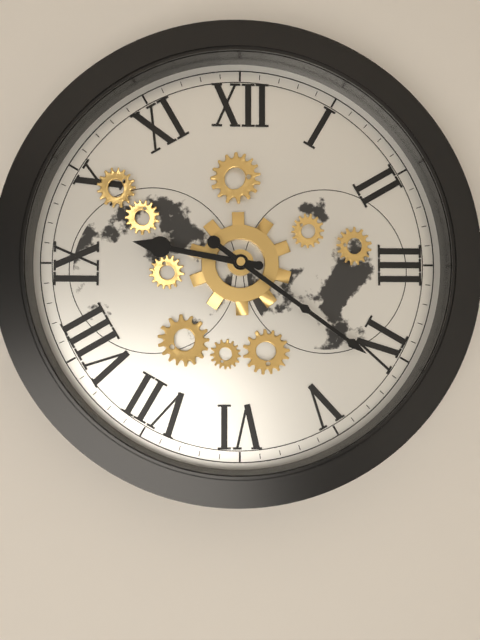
{"hour": 9, "minute": 21}
